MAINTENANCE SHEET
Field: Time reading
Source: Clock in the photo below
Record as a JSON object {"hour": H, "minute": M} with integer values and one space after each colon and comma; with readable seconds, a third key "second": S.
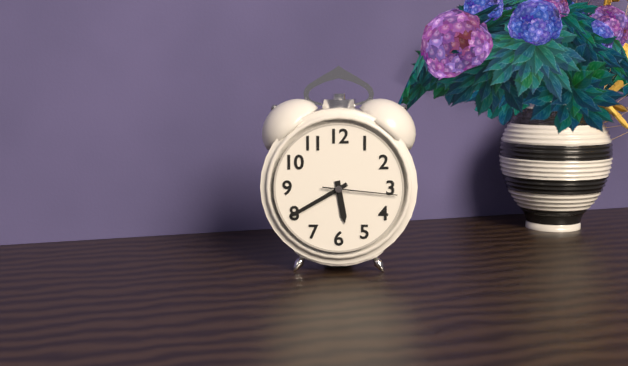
{"hour": 5, "minute": 40, "second": 16}
